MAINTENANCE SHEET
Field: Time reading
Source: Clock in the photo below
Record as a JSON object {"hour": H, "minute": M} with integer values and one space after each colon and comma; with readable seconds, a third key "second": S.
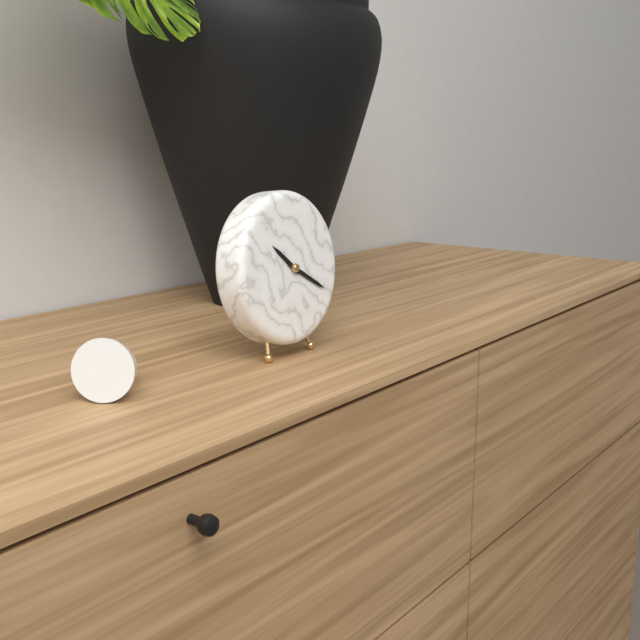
{"hour": 10, "minute": 20}
